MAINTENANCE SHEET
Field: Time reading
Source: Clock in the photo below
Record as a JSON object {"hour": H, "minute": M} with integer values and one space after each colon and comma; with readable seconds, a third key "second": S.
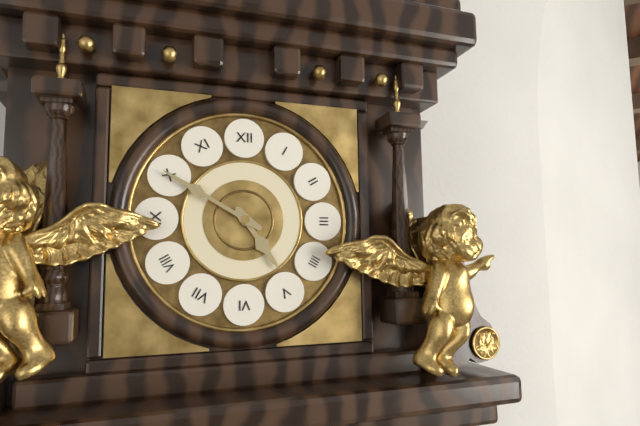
{"hour": 4, "minute": 50}
